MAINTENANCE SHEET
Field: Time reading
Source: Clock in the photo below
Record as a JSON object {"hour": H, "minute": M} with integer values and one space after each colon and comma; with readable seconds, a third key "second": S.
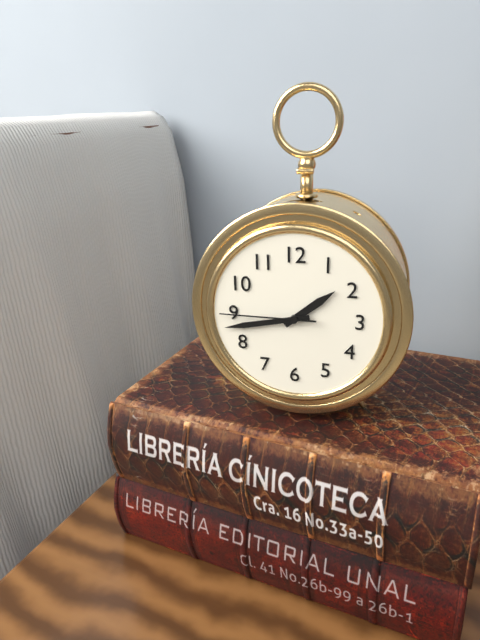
{"hour": 1, "minute": 43, "second": 45}
